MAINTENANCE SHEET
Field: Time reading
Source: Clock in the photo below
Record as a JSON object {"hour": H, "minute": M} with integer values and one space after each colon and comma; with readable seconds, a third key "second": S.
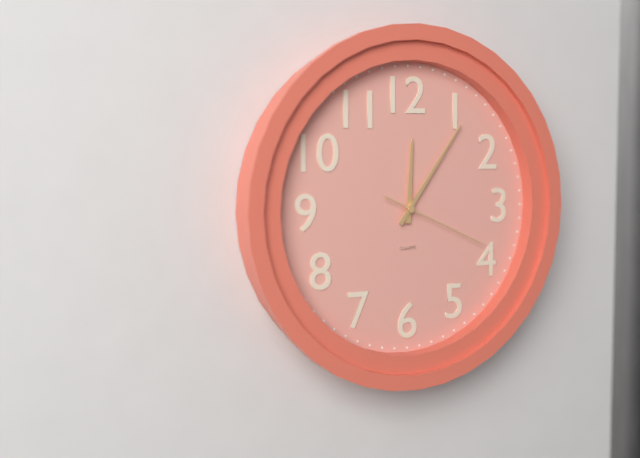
{"hour": 12, "minute": 6, "second": 19}
